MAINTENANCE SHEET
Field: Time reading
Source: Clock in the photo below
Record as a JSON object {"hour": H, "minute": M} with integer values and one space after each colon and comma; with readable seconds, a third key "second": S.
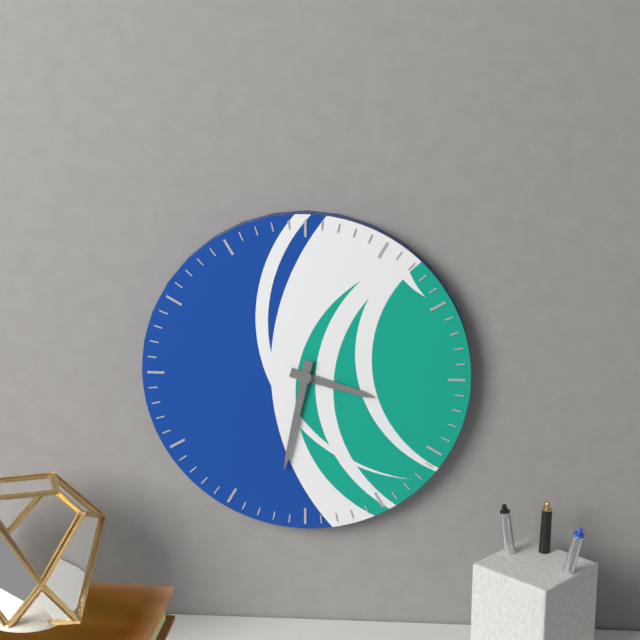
{"hour": 3, "minute": 32}
